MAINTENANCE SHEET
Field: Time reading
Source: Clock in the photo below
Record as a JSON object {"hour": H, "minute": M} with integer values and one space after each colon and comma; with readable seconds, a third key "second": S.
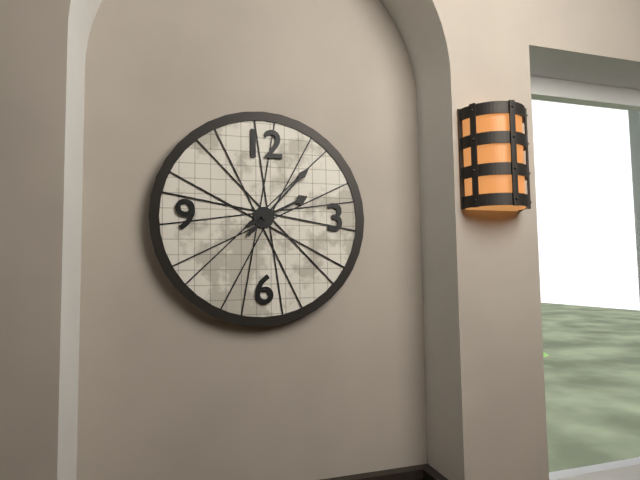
{"hour": 2, "minute": 7}
